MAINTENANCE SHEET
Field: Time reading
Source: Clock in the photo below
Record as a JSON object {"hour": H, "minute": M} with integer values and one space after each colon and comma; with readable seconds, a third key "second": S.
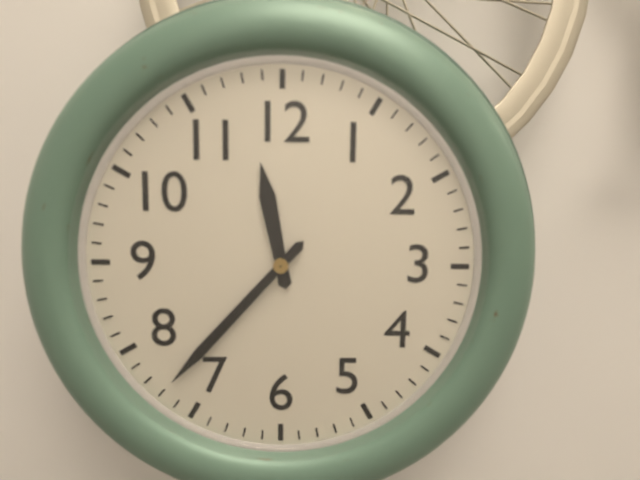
{"hour": 11, "minute": 37}
